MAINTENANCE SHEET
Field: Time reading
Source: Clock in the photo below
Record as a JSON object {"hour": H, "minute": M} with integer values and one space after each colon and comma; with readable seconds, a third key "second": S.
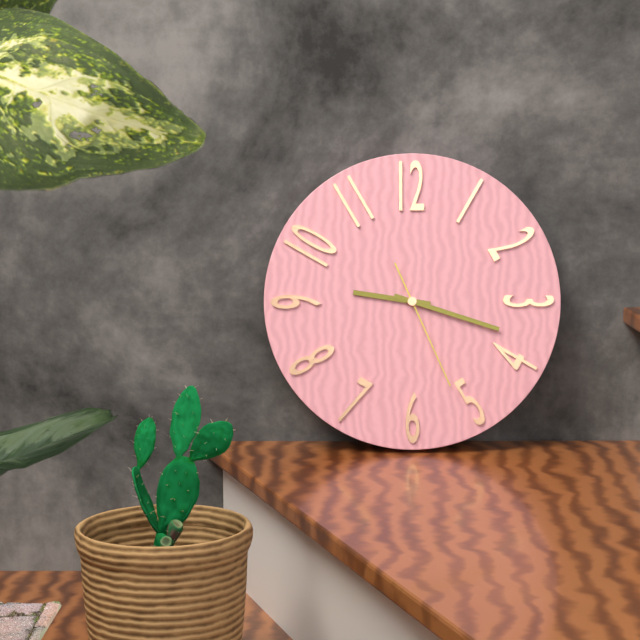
{"hour": 9, "minute": 18, "second": 26}
